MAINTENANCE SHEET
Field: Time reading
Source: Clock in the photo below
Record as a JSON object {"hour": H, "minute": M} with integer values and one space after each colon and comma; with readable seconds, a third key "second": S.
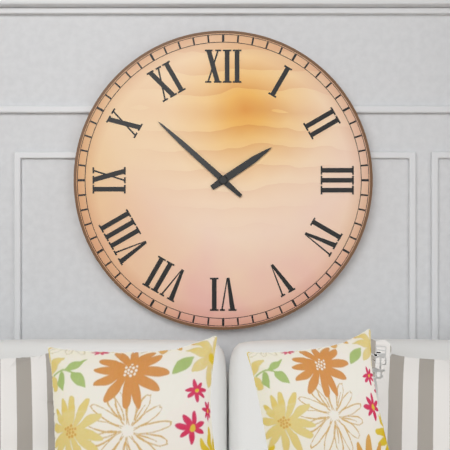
{"hour": 1, "minute": 52}
